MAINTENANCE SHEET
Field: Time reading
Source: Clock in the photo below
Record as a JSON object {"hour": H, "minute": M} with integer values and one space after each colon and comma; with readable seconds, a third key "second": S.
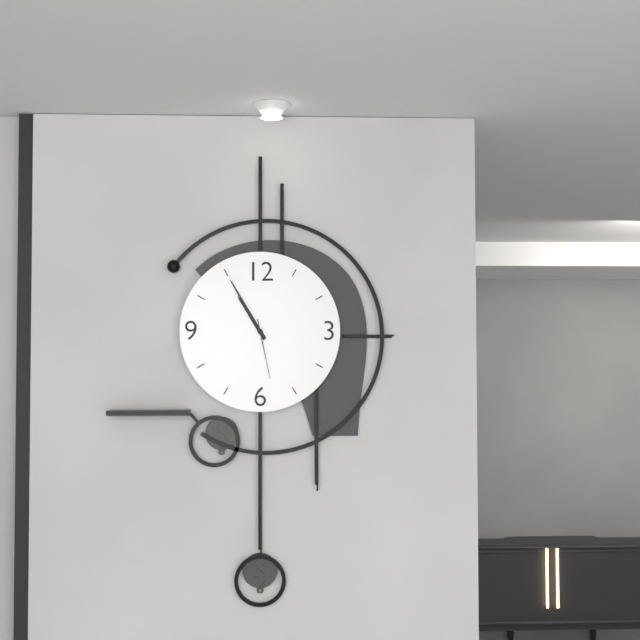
{"hour": 10, "minute": 55, "second": 28}
